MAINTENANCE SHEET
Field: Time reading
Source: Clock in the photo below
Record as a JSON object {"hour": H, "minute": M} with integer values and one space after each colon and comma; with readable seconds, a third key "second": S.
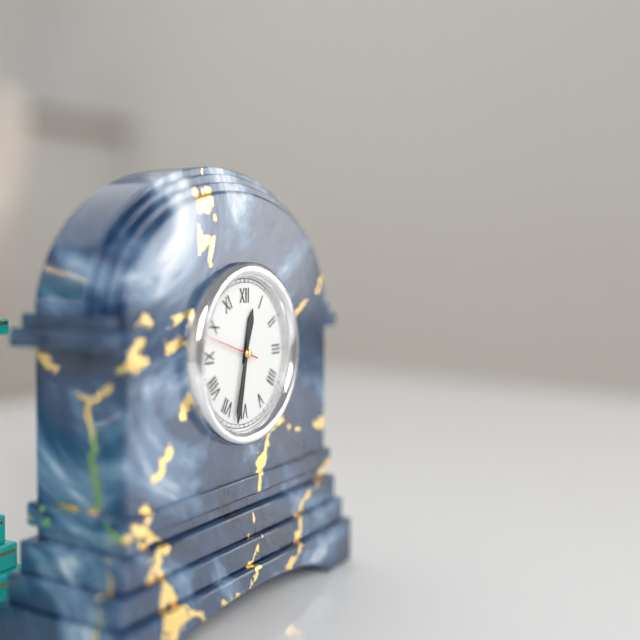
{"hour": 12, "minute": 32}
